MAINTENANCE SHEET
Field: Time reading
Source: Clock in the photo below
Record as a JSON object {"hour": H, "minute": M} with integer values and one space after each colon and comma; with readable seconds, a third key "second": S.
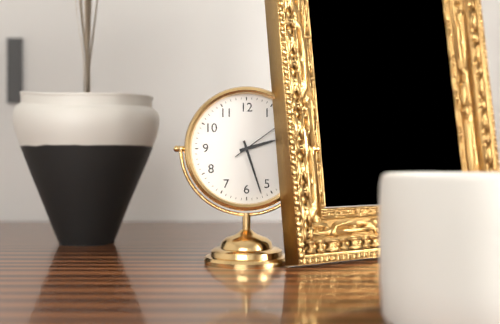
{"hour": 2, "minute": 27}
